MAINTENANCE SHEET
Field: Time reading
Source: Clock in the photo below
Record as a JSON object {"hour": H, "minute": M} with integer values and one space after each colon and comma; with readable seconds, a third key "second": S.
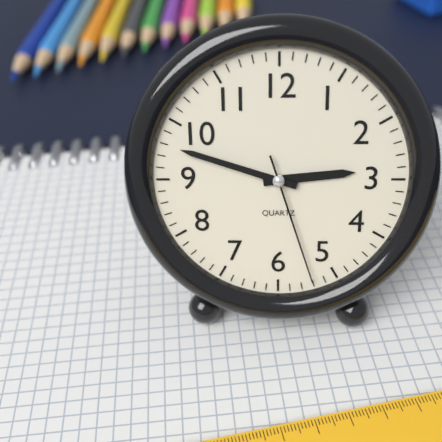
{"hour": 2, "minute": 48, "second": 27}
